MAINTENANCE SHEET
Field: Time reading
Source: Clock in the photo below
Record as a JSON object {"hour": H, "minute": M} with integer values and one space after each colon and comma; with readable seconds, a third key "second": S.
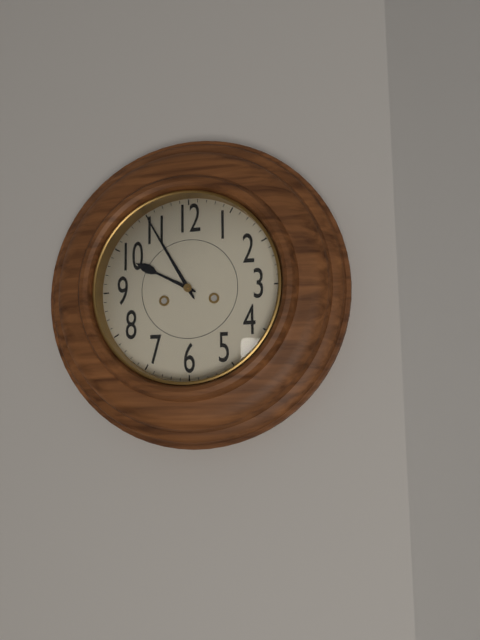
{"hour": 9, "minute": 55}
